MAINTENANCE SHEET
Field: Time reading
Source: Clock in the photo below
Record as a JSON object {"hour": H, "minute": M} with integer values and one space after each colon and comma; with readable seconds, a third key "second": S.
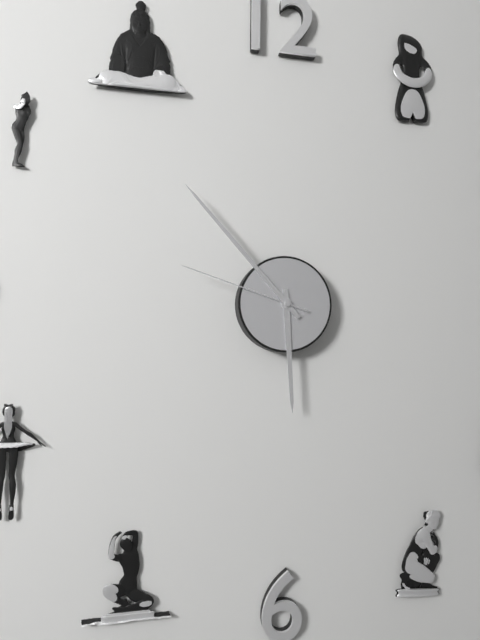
{"hour": 5, "minute": 53, "second": 48}
